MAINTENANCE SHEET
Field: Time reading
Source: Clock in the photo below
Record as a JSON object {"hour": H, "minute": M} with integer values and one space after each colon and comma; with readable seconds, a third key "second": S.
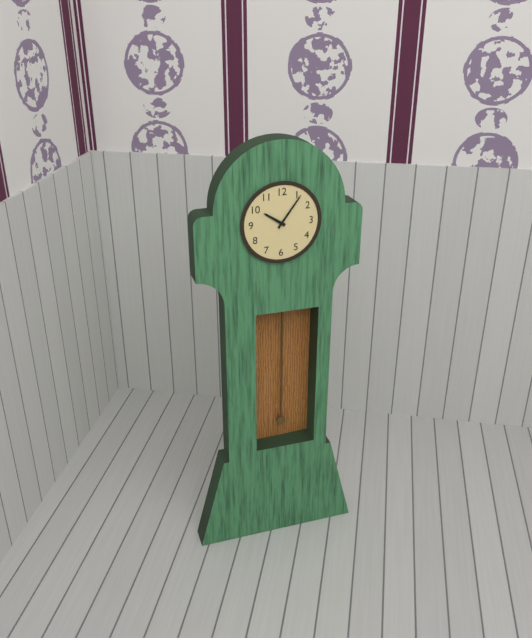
{"hour": 10, "minute": 6}
